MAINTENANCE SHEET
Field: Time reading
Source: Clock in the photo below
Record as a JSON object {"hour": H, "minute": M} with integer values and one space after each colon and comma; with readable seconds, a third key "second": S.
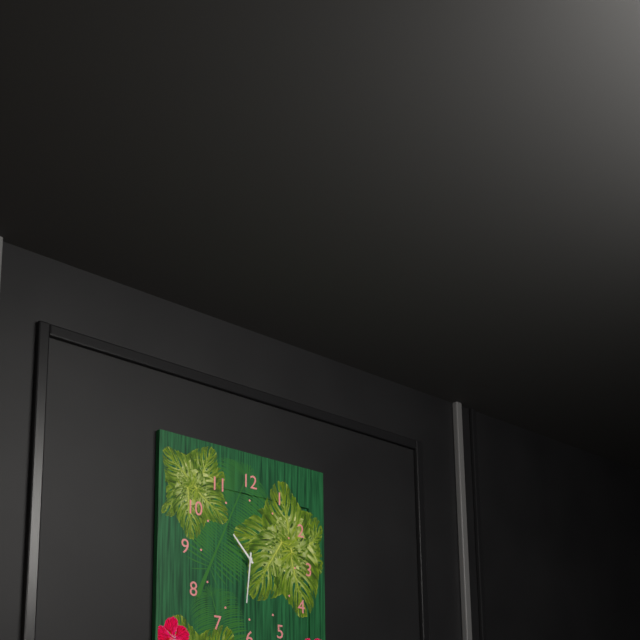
{"hour": 10, "minute": 31}
